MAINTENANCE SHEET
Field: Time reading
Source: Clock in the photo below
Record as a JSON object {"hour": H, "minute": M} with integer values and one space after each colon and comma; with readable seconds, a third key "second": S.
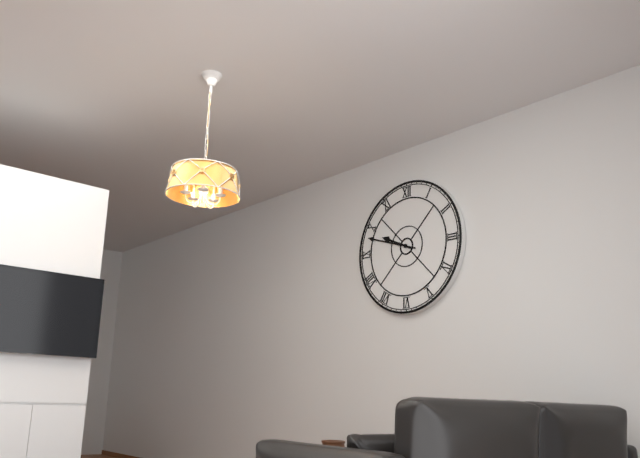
{"hour": 9, "minute": 48}
